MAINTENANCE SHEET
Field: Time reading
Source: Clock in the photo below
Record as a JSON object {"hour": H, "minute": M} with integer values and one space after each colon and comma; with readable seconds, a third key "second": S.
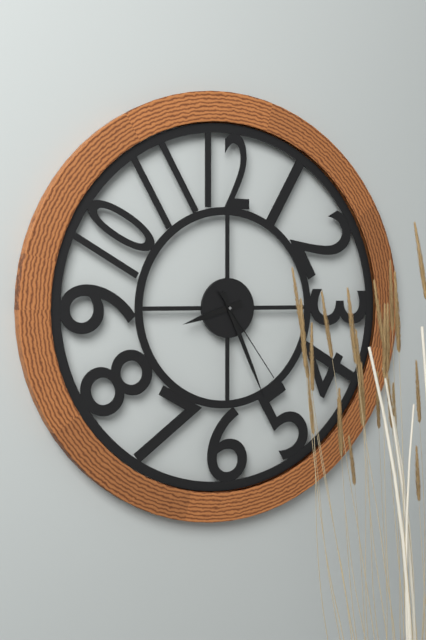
{"hour": 8, "minute": 26, "second": 24}
